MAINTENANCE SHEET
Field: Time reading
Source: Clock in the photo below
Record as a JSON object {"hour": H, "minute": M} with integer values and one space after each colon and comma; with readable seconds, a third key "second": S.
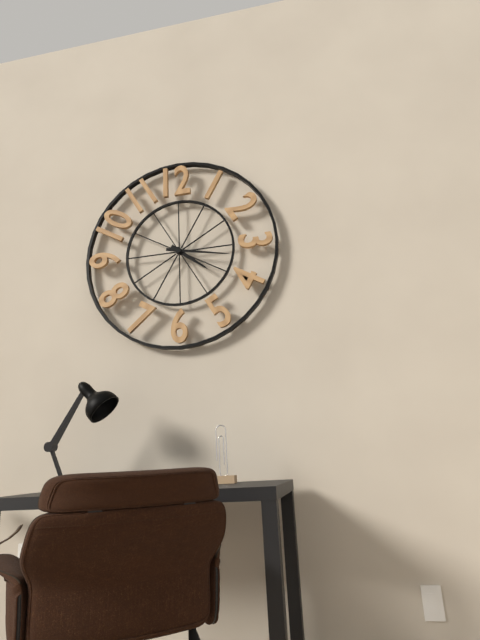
{"hour": 4, "minute": 17}
